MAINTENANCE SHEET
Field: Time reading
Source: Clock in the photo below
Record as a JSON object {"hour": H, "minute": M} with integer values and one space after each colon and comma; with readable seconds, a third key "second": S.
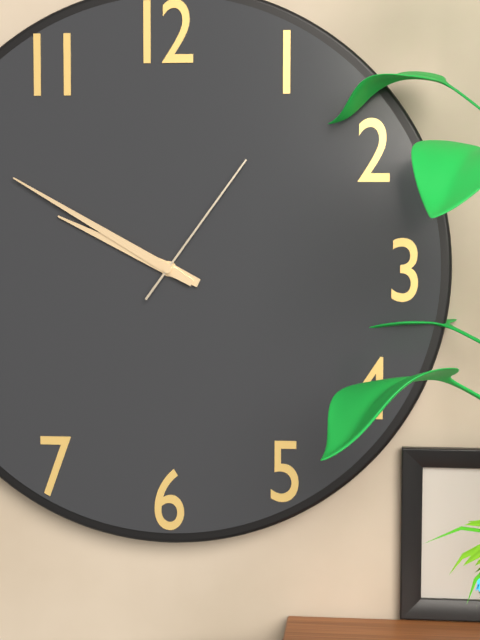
{"hour": 9, "minute": 50, "second": 6}
